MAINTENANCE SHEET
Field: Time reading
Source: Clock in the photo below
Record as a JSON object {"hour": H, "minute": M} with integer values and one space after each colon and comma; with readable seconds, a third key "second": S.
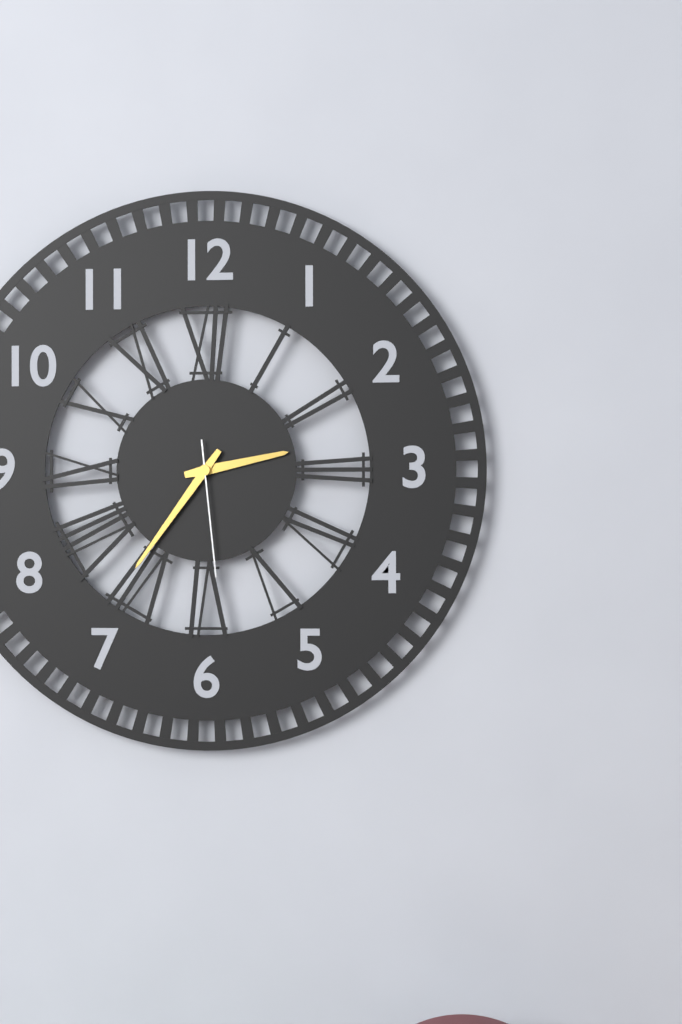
{"hour": 2, "minute": 36, "second": 29}
